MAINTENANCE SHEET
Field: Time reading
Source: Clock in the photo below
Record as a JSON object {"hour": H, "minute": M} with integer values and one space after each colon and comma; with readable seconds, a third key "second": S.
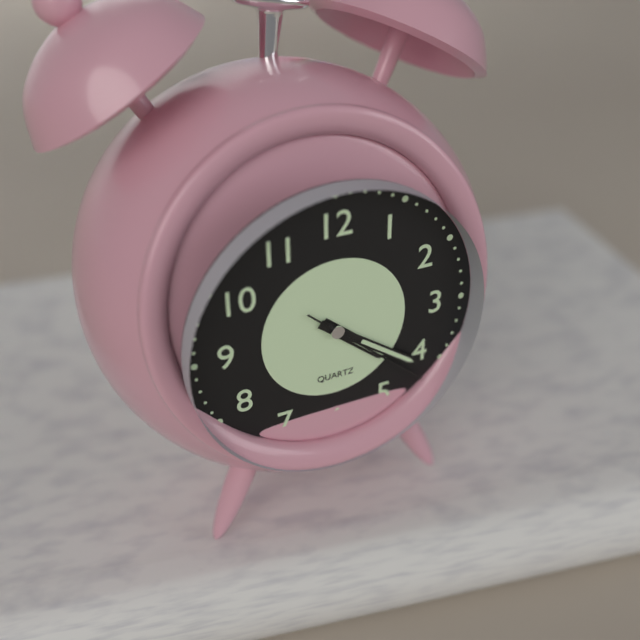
{"hour": 4, "minute": 21, "second": 22}
